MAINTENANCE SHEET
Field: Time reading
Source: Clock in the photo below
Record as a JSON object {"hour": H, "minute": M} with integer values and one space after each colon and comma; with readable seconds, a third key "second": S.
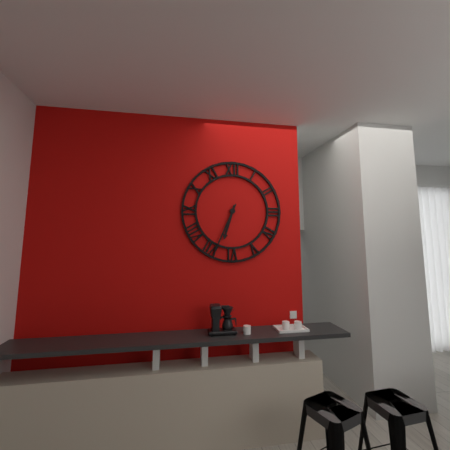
{"hour": 6, "minute": 34}
